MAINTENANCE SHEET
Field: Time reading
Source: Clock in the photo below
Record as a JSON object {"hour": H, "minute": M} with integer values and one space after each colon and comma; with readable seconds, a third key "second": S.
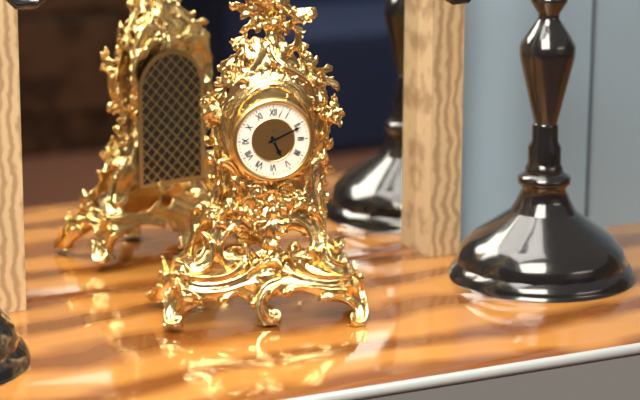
{"hour": 5, "minute": 11}
